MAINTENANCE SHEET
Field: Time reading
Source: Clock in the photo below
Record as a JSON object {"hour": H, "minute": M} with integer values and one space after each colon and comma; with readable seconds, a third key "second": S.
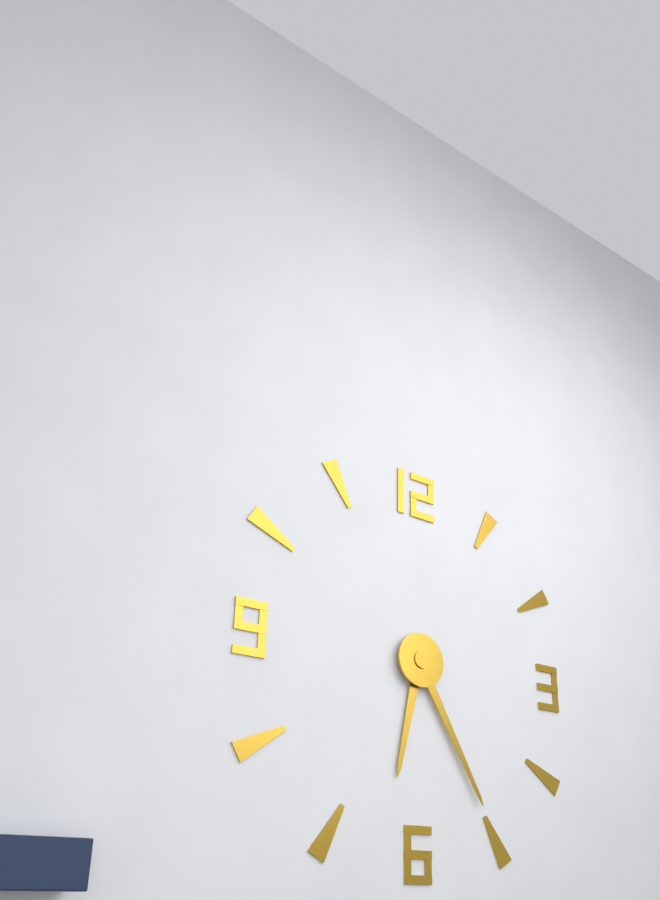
{"hour": 6, "minute": 25}
